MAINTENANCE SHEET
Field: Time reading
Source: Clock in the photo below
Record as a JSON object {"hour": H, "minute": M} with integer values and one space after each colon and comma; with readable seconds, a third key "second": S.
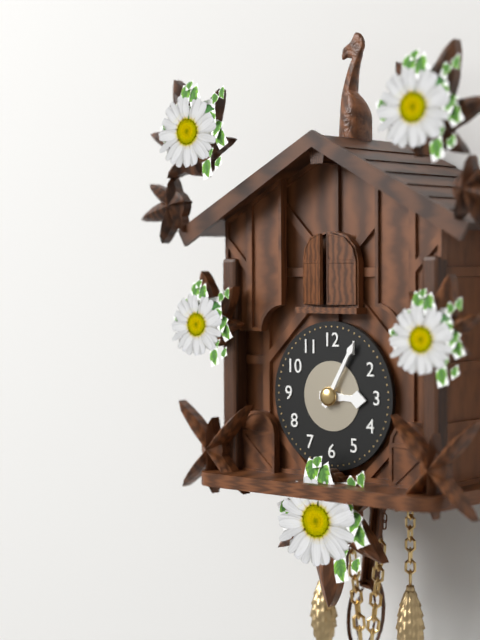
{"hour": 3, "minute": 5}
